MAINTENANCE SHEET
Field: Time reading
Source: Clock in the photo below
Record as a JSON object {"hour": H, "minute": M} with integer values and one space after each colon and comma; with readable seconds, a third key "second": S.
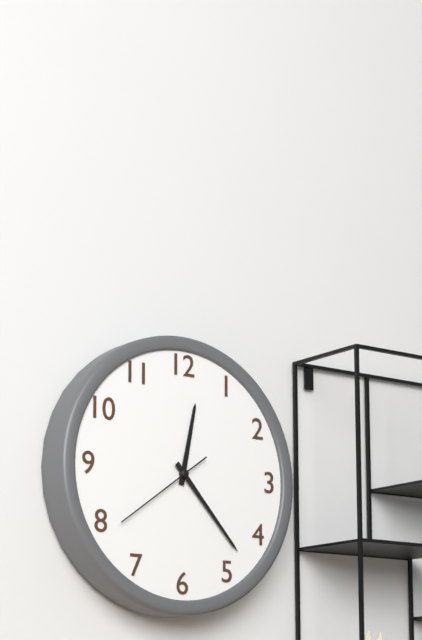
{"hour": 12, "minute": 23, "second": 39}
